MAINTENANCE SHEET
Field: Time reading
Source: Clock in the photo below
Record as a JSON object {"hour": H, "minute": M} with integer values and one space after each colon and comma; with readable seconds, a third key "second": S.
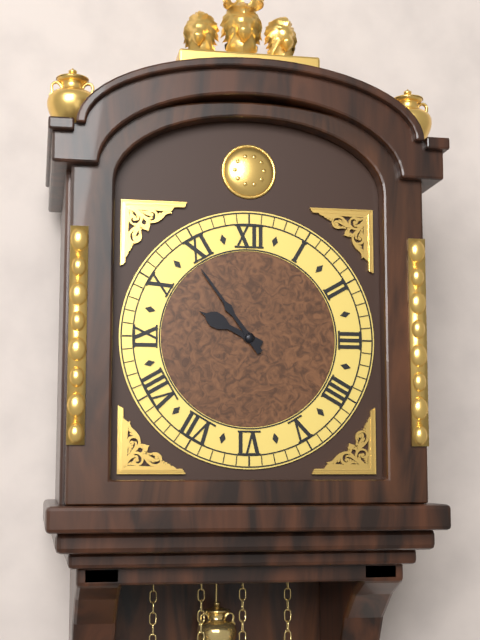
{"hour": 9, "minute": 54}
